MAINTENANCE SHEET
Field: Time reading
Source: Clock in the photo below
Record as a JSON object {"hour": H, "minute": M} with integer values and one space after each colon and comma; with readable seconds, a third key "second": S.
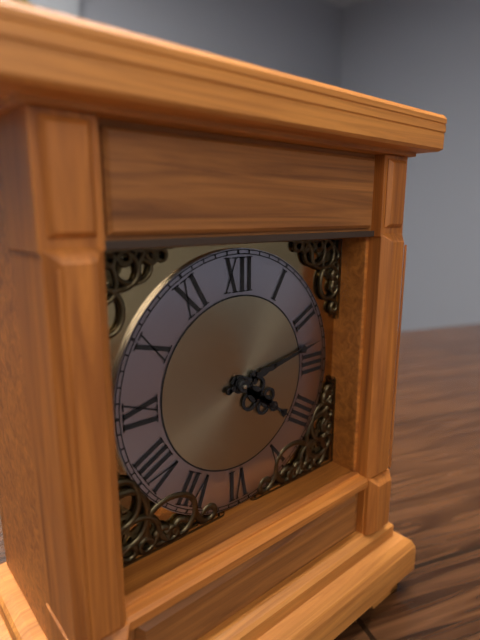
{"hour": 4, "minute": 13}
